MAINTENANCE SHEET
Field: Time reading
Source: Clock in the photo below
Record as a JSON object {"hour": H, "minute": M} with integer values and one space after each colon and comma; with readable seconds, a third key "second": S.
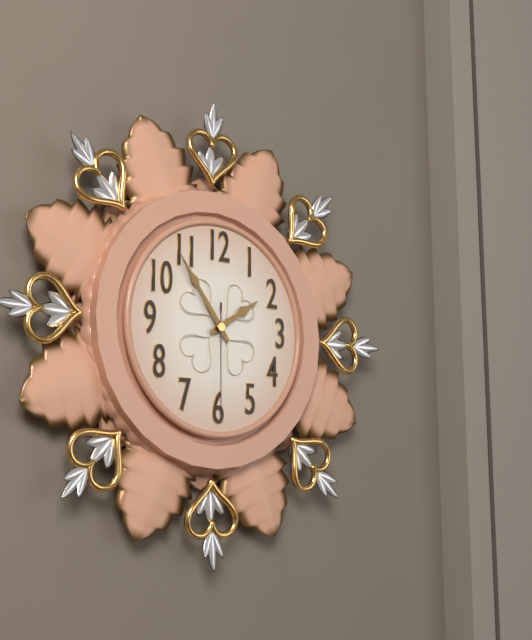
{"hour": 1, "minute": 54, "second": 30}
